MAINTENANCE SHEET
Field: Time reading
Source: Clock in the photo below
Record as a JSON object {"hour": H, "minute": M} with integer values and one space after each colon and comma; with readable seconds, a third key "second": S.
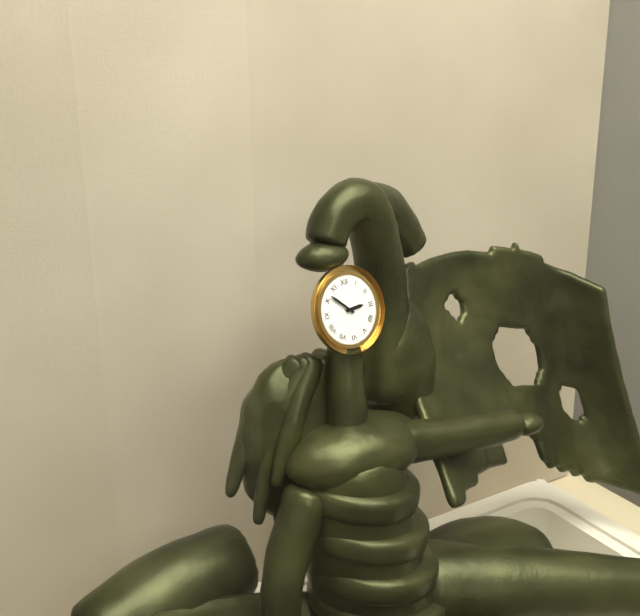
{"hour": 2, "minute": 52}
